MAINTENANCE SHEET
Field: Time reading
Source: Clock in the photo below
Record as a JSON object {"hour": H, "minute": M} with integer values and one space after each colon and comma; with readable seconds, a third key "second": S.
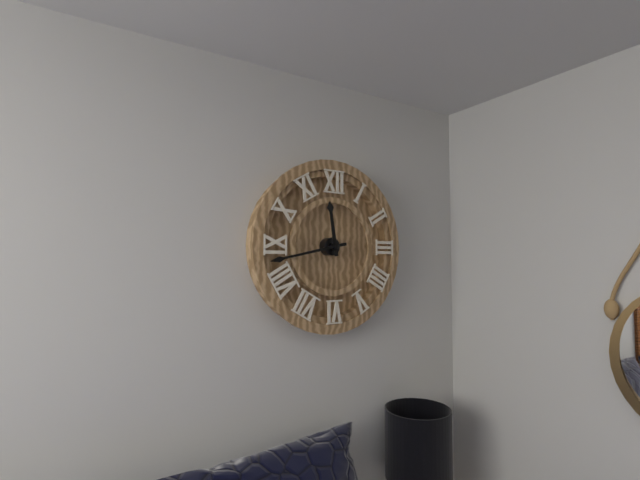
{"hour": 11, "minute": 43}
